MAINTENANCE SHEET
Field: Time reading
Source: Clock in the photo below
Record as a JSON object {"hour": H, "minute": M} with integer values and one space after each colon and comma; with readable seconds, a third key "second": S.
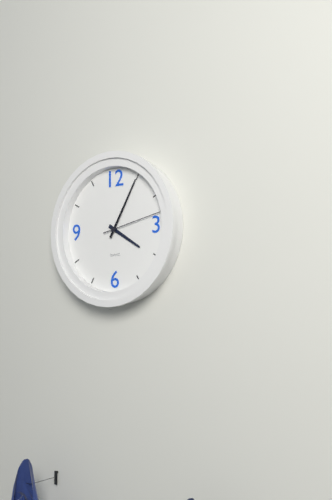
{"hour": 4, "minute": 5, "second": 13}
